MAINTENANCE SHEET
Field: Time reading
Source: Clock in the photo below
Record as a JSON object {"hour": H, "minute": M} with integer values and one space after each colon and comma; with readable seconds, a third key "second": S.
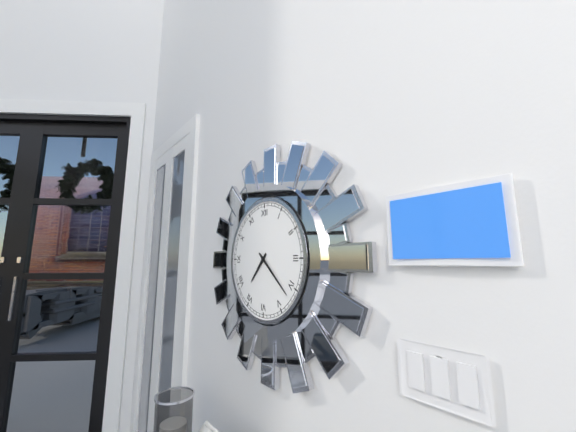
{"hour": 7, "minute": 22}
